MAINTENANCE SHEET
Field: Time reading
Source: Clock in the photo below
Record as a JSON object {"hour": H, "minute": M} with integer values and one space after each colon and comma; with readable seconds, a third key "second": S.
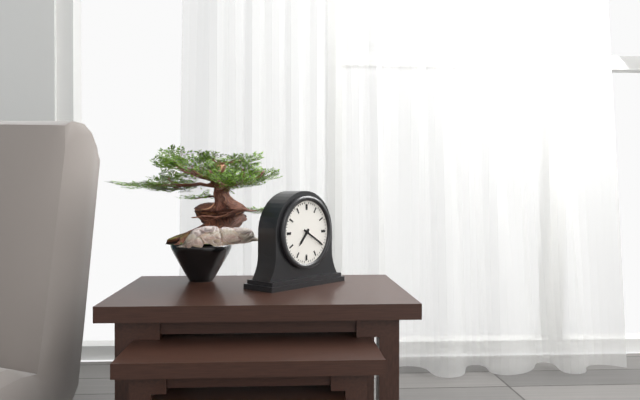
{"hour": 7, "minute": 20}
